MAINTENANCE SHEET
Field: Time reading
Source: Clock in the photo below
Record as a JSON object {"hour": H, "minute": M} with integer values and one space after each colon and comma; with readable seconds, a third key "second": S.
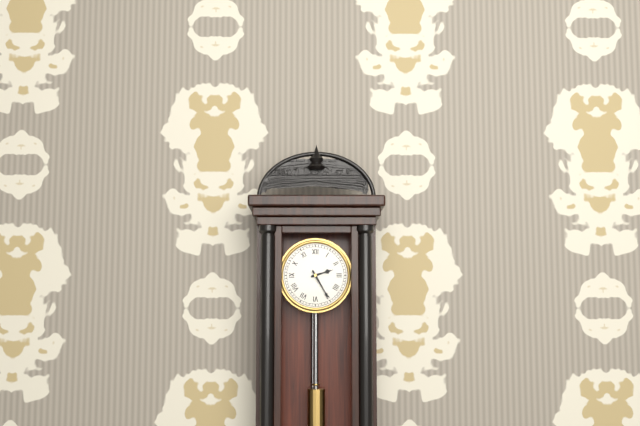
{"hour": 2, "minute": 25}
